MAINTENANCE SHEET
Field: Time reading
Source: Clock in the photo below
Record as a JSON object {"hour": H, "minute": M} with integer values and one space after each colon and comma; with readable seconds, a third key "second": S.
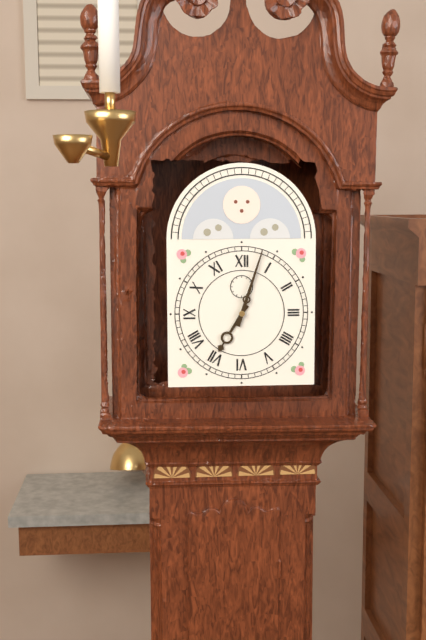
{"hour": 7, "minute": 3}
